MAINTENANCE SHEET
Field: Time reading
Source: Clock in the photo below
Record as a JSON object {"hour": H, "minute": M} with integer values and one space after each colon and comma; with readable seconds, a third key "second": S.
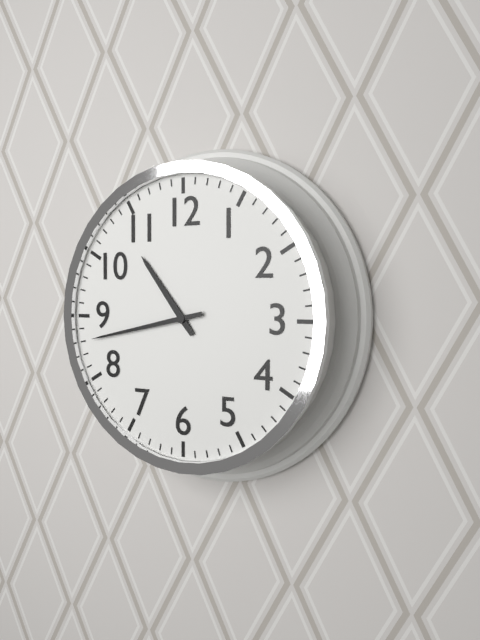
{"hour": 10, "minute": 43}
